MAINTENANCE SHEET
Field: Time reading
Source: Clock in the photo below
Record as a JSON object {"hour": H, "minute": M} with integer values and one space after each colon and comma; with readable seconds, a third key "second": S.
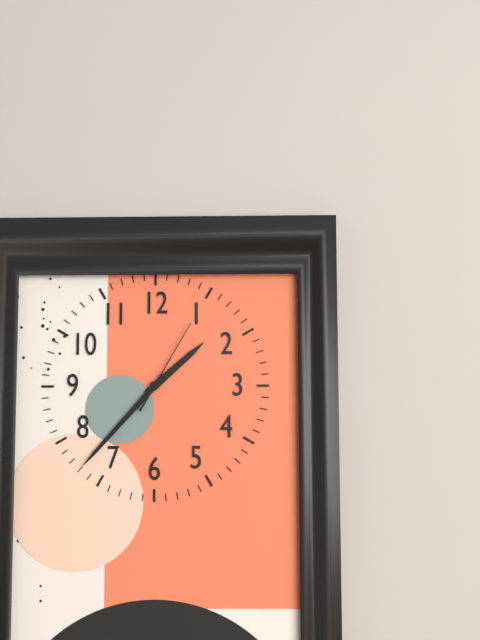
{"hour": 1, "minute": 37, "second": 5}
